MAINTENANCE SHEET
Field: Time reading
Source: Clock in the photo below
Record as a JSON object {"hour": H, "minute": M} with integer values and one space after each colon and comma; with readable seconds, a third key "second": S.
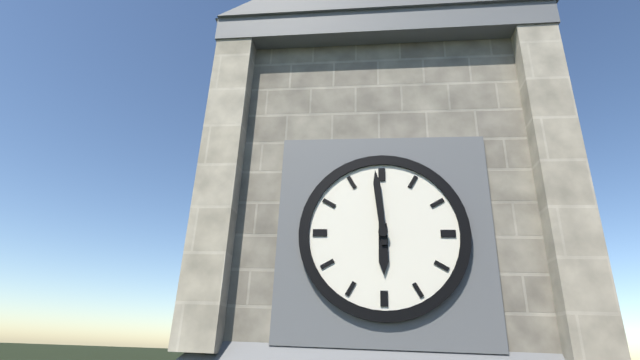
{"hour": 5, "minute": 59}
